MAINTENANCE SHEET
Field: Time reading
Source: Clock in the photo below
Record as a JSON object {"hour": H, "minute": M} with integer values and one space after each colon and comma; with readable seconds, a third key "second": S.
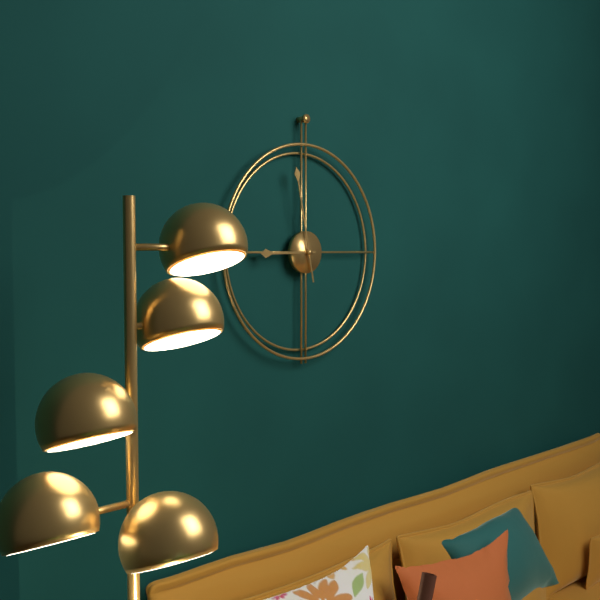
{"hour": 8, "minute": 58}
